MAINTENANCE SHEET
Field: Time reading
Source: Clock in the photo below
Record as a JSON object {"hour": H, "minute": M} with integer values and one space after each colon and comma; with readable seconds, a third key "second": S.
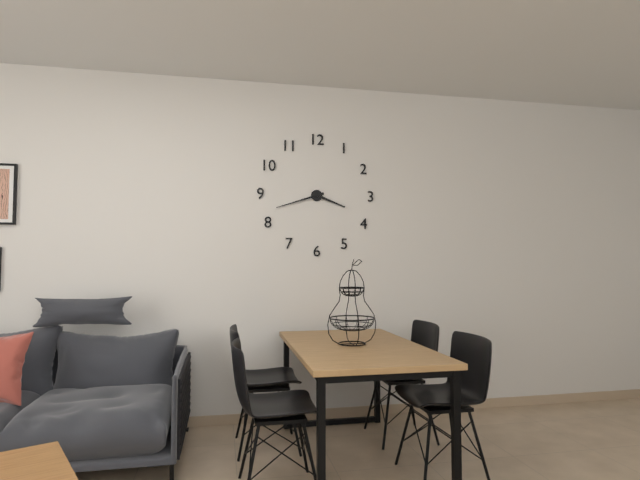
{"hour": 3, "minute": 42}
